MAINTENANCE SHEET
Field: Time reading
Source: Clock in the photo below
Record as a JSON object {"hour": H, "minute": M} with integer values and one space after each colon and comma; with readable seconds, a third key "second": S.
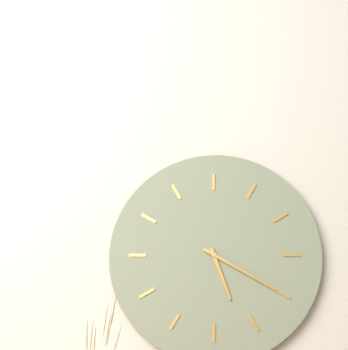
{"hour": 5, "minute": 20}
